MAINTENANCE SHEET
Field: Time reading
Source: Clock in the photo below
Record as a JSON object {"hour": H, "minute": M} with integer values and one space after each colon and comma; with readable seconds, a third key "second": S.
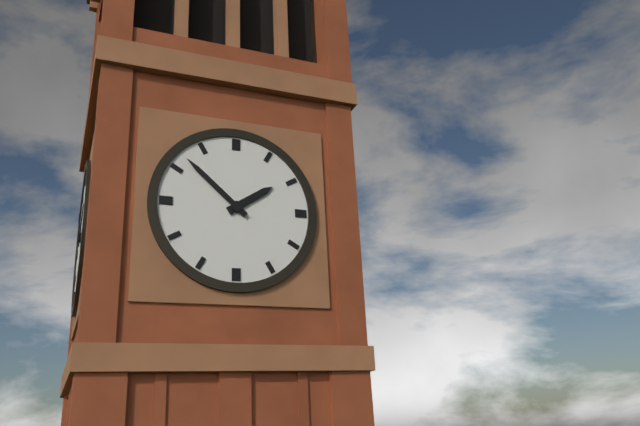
{"hour": 1, "minute": 52}
